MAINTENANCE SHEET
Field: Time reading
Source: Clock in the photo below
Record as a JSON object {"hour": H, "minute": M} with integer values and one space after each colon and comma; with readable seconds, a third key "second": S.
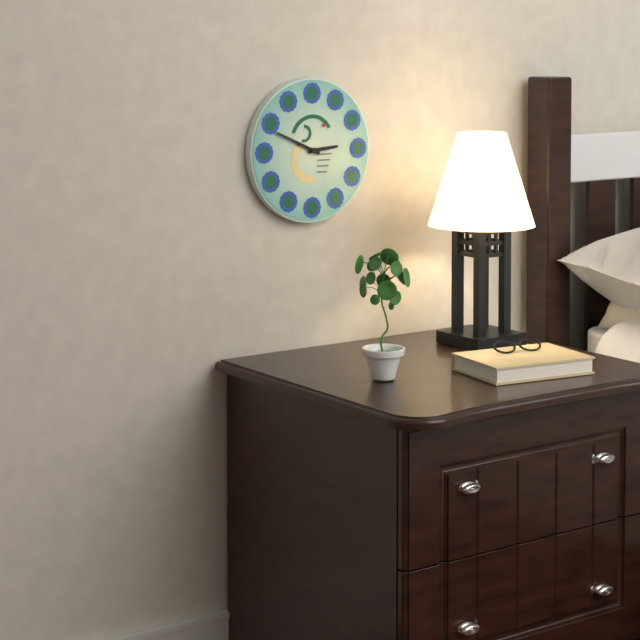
{"hour": 2, "minute": 49}
